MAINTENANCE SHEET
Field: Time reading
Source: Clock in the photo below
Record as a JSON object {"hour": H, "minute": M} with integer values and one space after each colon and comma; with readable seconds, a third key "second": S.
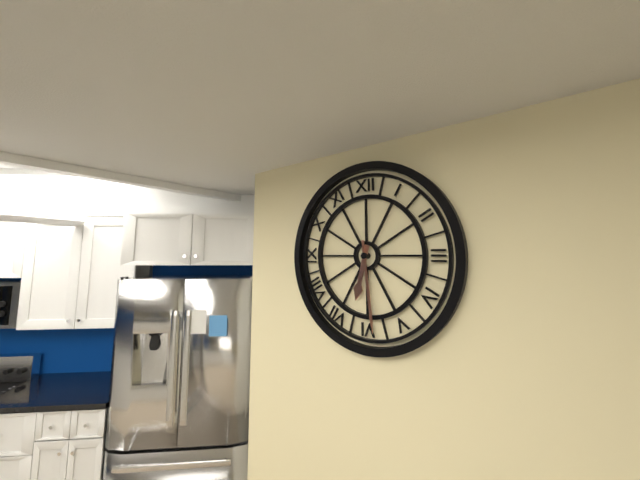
{"hour": 6, "minute": 29}
